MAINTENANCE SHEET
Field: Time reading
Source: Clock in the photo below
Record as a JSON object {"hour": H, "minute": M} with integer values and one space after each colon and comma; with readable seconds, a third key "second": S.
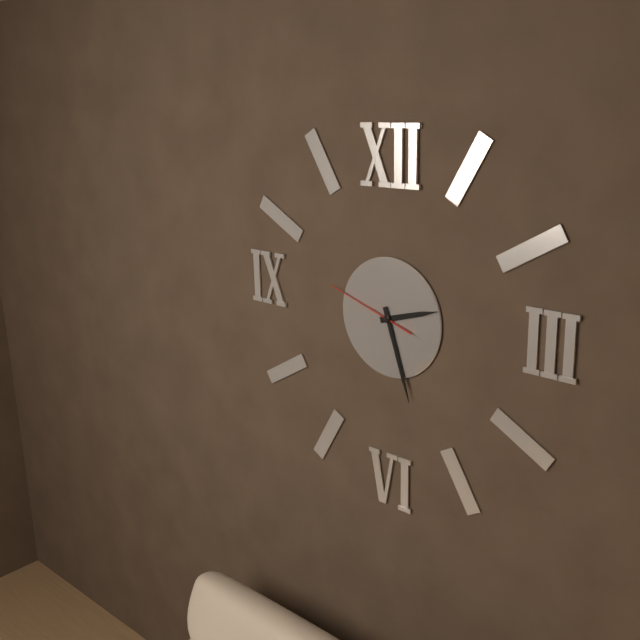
{"hour": 2, "minute": 27, "second": 48}
